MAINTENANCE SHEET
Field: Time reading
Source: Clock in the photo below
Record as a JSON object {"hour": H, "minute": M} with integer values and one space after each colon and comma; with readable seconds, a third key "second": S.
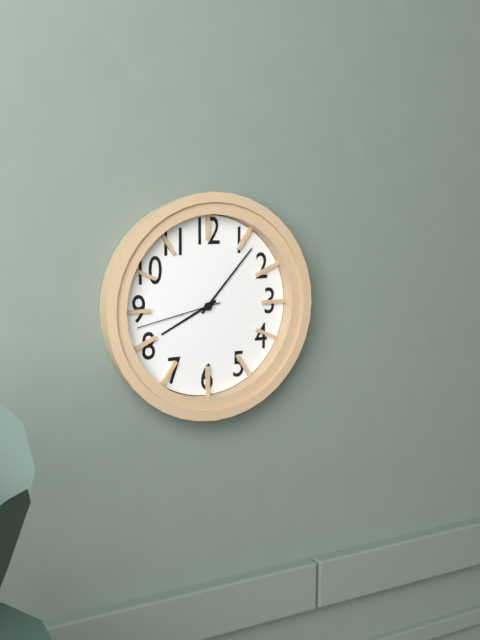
{"hour": 8, "minute": 7, "second": 43}
